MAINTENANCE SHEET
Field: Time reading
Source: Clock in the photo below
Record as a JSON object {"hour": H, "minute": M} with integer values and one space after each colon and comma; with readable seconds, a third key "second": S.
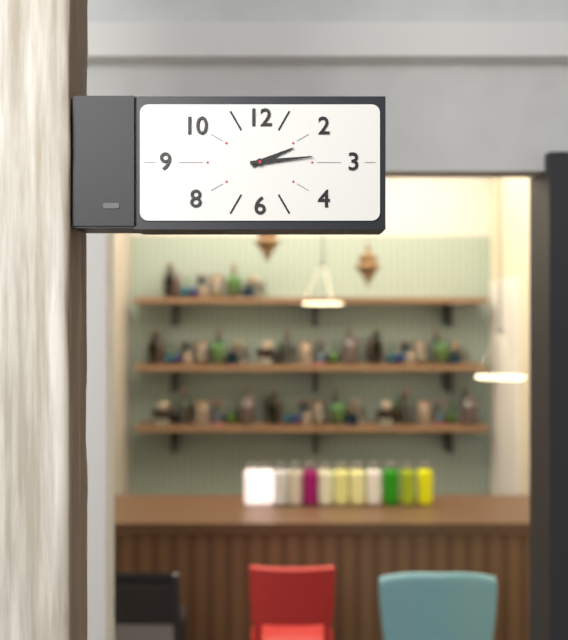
{"hour": 2, "minute": 14}
